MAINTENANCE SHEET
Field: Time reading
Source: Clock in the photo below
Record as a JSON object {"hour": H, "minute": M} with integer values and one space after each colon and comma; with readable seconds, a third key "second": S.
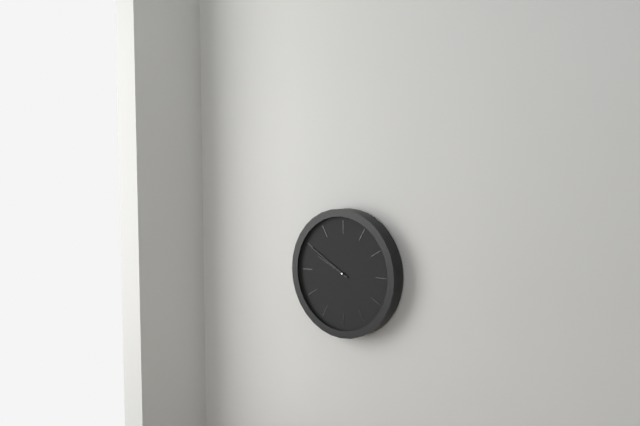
{"hour": 9, "minute": 50}
